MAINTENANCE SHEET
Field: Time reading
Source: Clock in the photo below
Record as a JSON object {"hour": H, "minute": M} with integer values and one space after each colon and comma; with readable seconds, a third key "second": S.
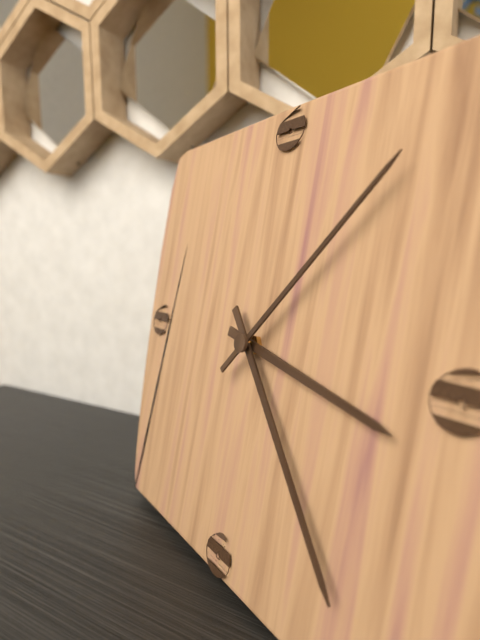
{"hour": 3, "minute": 23, "second": 7}
